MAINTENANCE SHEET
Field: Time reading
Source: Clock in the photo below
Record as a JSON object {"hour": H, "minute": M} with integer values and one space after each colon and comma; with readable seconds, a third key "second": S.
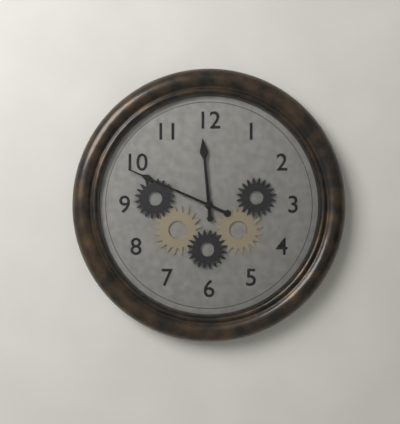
{"hour": 11, "minute": 49}
